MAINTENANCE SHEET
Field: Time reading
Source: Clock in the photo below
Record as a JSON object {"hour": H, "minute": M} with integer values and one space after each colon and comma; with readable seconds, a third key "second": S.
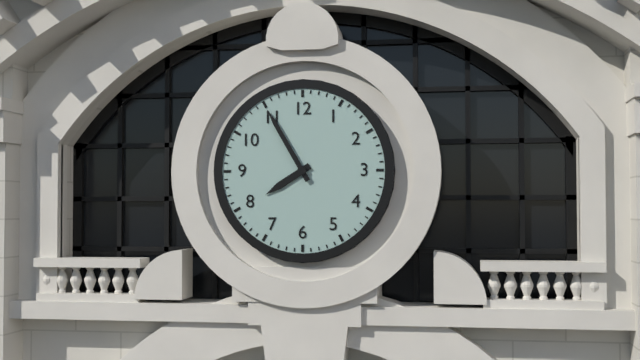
{"hour": 7, "minute": 55}
